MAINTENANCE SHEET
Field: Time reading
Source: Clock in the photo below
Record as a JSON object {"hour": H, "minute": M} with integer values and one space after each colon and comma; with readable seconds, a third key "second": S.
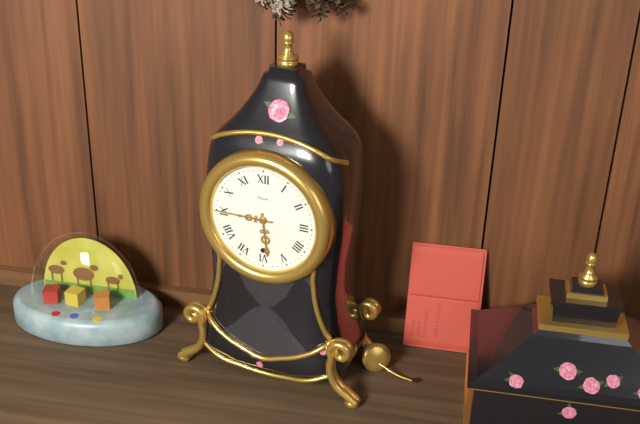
{"hour": 5, "minute": 45}
